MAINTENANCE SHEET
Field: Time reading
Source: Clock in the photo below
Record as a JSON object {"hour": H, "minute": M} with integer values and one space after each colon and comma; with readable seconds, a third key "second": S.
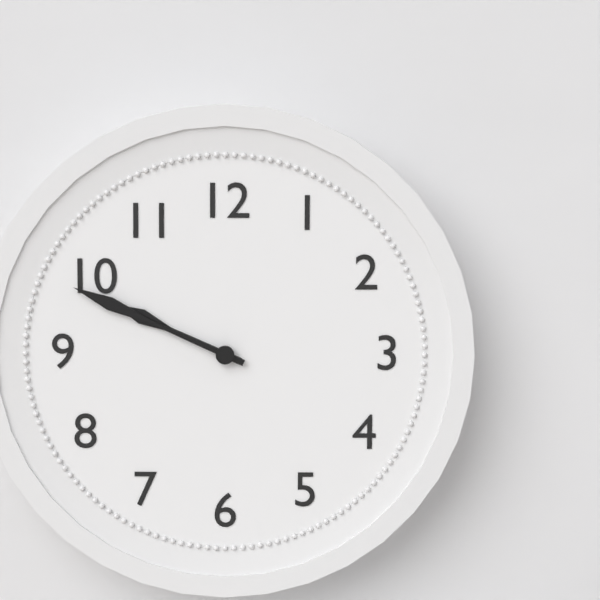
{"hour": 9, "minute": 49}
